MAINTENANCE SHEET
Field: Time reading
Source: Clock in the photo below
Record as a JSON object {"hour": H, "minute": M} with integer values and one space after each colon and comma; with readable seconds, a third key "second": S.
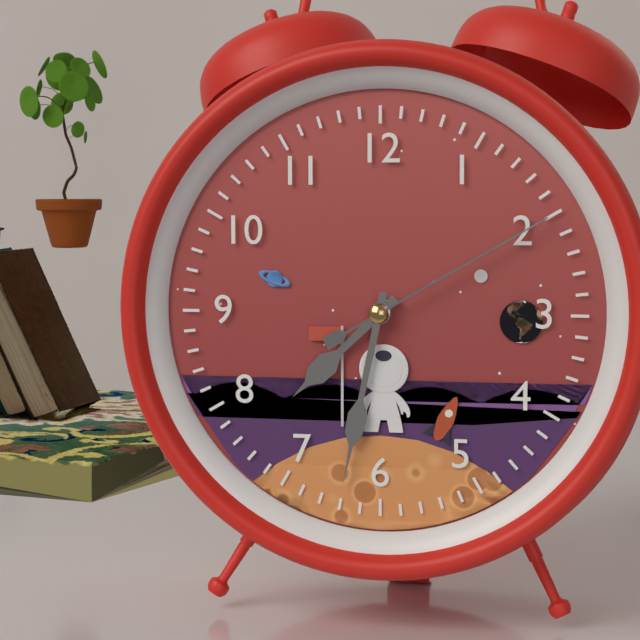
{"hour": 7, "minute": 32, "second": 10}
